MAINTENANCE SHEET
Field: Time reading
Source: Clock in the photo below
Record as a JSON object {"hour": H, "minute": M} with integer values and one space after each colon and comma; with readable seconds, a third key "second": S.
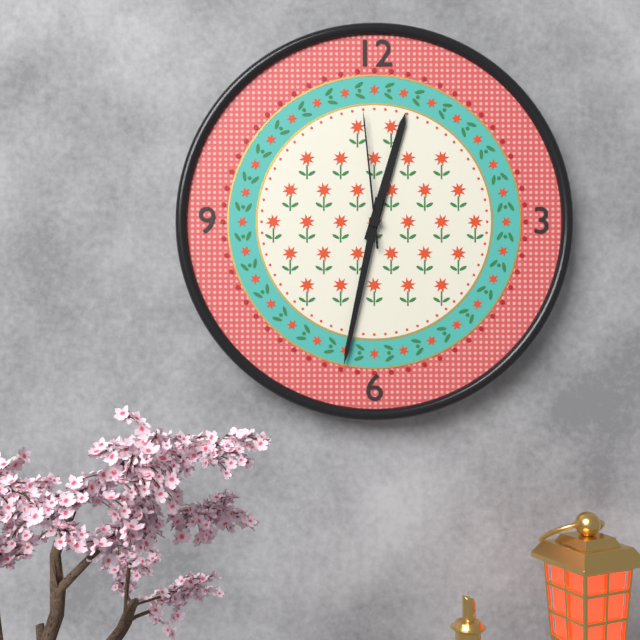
{"hour": 12, "minute": 32, "second": 59}
